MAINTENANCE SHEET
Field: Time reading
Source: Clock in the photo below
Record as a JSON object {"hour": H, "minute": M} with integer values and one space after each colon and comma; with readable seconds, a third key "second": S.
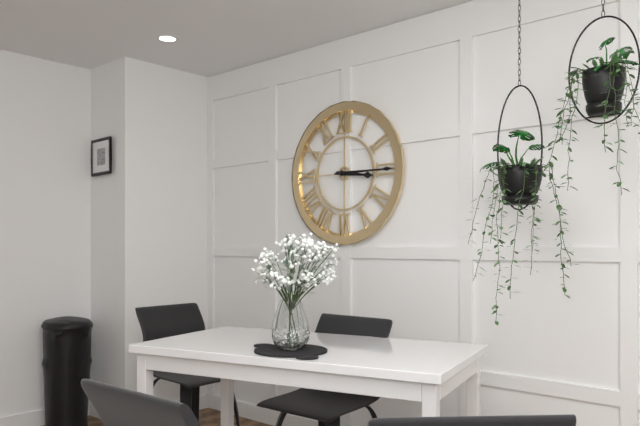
{"hour": 3, "minute": 15}
